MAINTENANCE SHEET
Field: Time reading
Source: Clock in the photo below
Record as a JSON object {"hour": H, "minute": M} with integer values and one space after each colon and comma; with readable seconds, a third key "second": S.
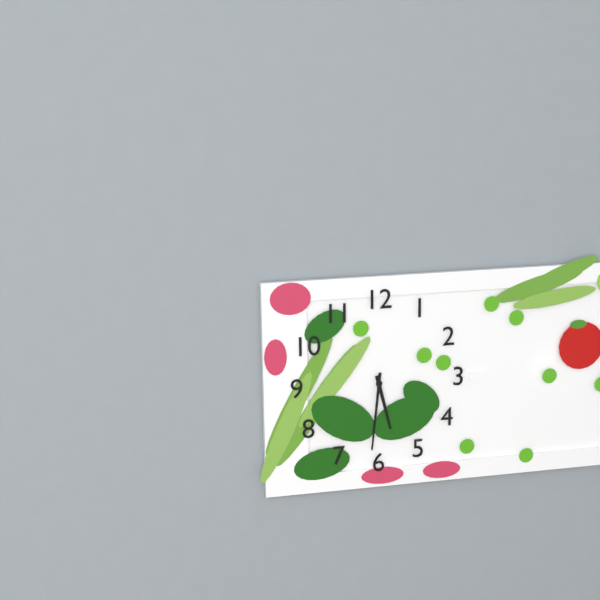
{"hour": 5, "minute": 31}
